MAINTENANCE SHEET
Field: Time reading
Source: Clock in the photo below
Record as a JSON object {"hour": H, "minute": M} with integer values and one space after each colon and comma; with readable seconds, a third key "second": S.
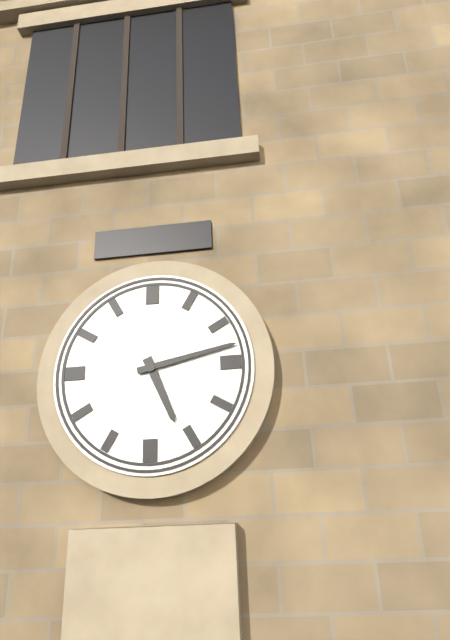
{"hour": 5, "minute": 13}
